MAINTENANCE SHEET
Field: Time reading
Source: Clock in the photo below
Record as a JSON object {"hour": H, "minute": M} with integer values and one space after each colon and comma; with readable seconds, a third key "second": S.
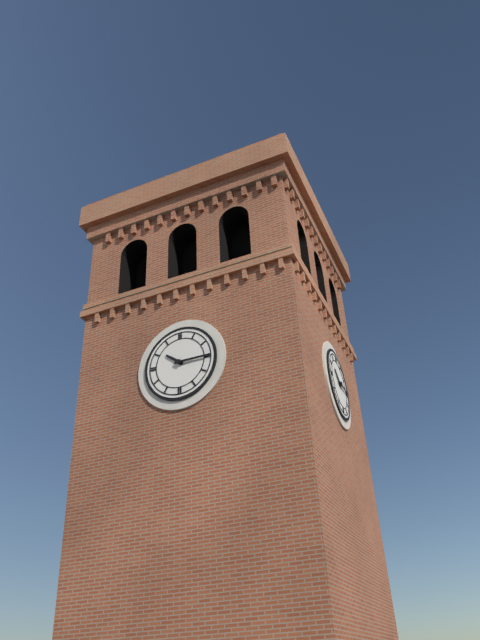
{"hour": 10, "minute": 15}
